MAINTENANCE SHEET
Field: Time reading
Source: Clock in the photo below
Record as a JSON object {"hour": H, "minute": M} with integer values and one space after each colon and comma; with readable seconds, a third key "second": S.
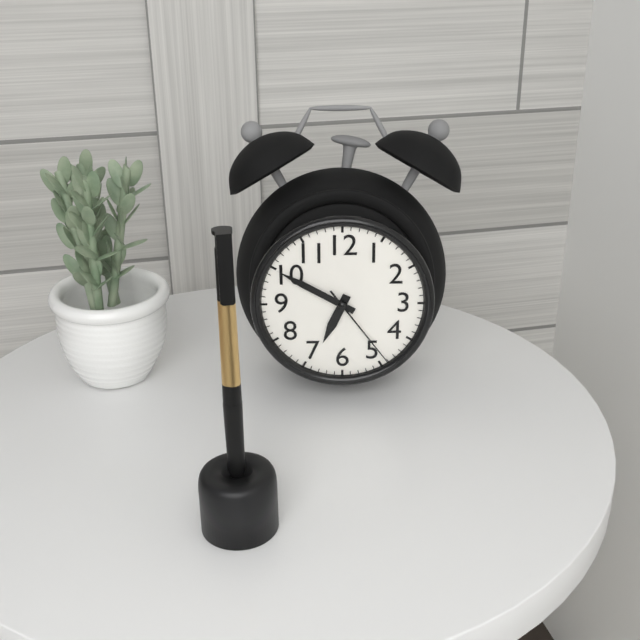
{"hour": 6, "minute": 50, "second": 24}
